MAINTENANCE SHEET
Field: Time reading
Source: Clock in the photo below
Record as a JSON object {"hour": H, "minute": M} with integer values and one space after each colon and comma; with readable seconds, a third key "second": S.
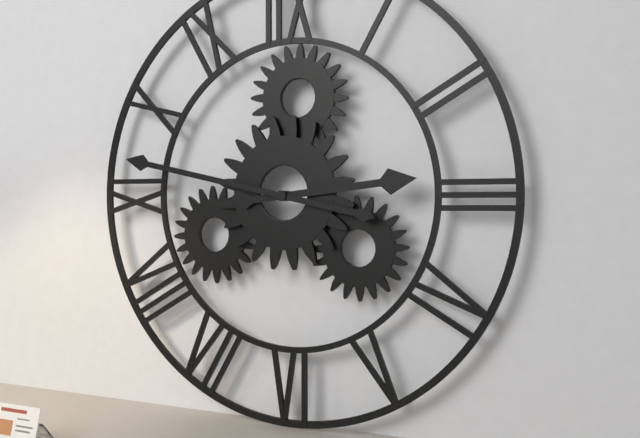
{"hour": 2, "minute": 47}
